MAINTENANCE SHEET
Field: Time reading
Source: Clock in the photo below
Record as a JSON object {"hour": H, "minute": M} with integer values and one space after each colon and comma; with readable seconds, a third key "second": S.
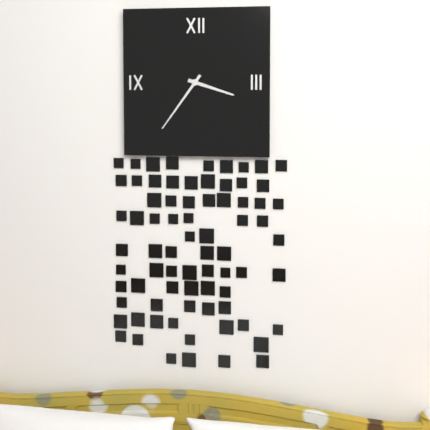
{"hour": 3, "minute": 36}
